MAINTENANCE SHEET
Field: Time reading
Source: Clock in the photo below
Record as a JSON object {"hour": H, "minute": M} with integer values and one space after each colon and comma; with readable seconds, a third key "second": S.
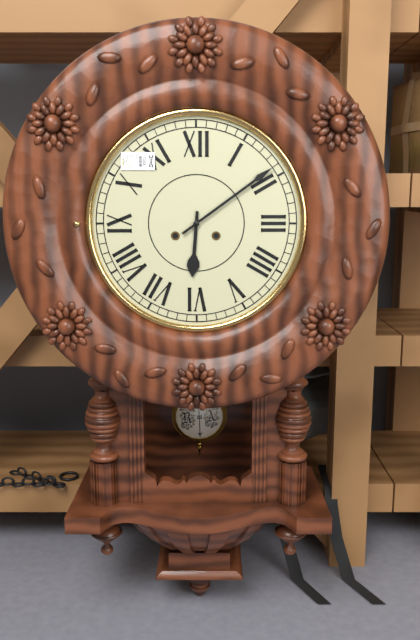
{"hour": 6, "minute": 9}
